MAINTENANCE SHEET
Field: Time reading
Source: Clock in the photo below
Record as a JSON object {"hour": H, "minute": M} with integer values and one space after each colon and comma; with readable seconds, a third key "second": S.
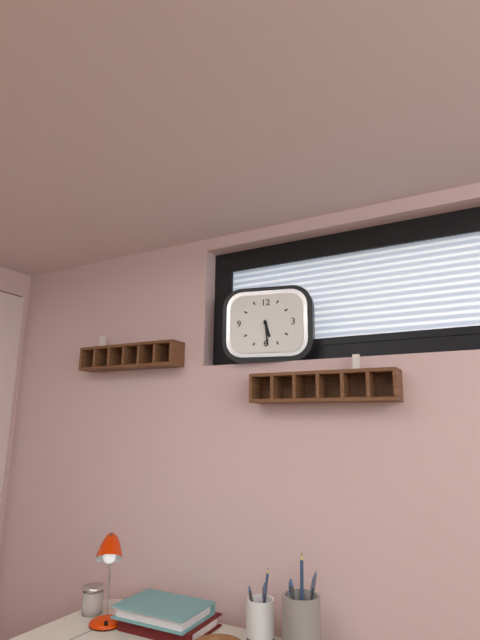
{"hour": 5, "minute": 29}
